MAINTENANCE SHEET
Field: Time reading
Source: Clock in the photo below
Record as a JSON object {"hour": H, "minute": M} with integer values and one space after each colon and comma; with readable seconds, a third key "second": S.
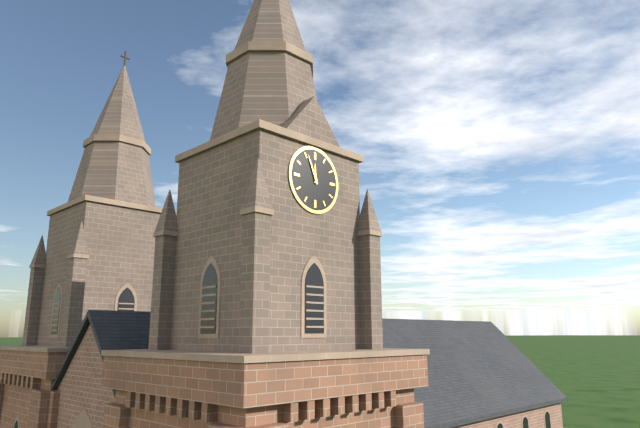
{"hour": 11, "minute": 56}
